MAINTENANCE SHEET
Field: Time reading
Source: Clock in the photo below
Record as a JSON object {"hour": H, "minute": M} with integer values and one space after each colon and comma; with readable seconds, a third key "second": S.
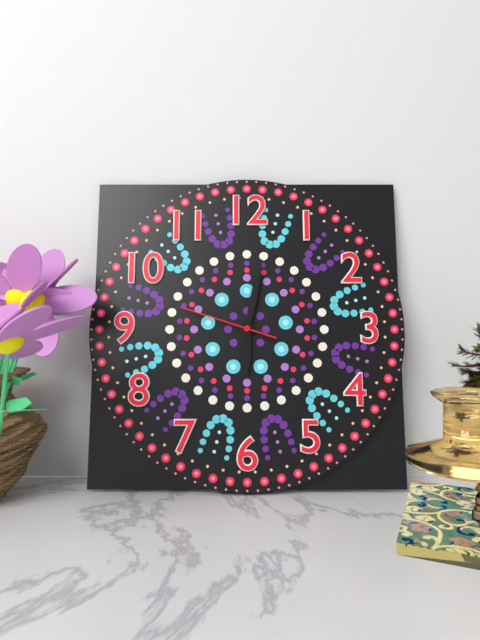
{"hour": 6, "minute": 2, "second": 48}
